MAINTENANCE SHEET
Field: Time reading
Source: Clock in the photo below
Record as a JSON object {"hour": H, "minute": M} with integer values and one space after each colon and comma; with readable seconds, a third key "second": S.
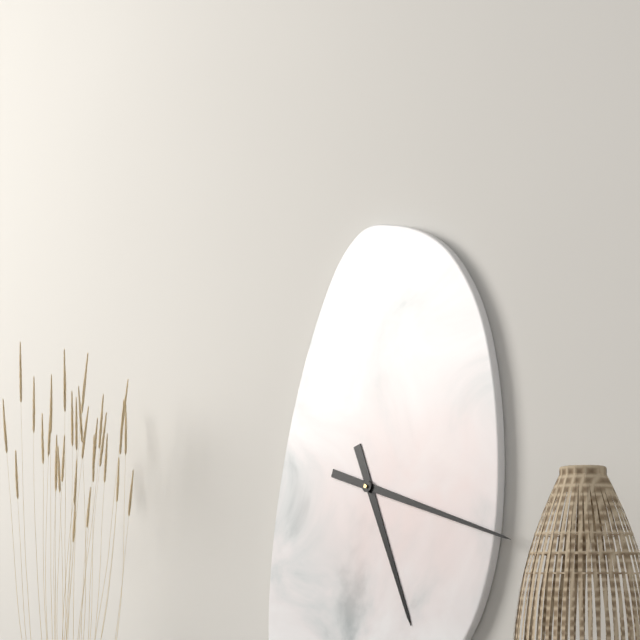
{"hour": 5, "minute": 18}
